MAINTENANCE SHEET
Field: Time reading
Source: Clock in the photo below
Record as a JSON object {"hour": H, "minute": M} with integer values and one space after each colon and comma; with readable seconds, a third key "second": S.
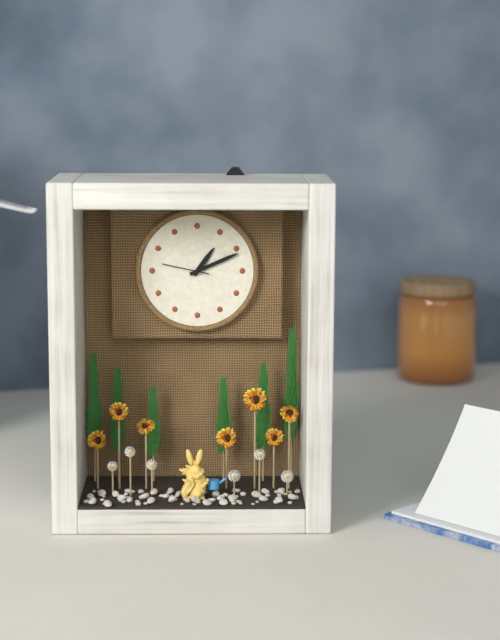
{"hour": 1, "minute": 11}
